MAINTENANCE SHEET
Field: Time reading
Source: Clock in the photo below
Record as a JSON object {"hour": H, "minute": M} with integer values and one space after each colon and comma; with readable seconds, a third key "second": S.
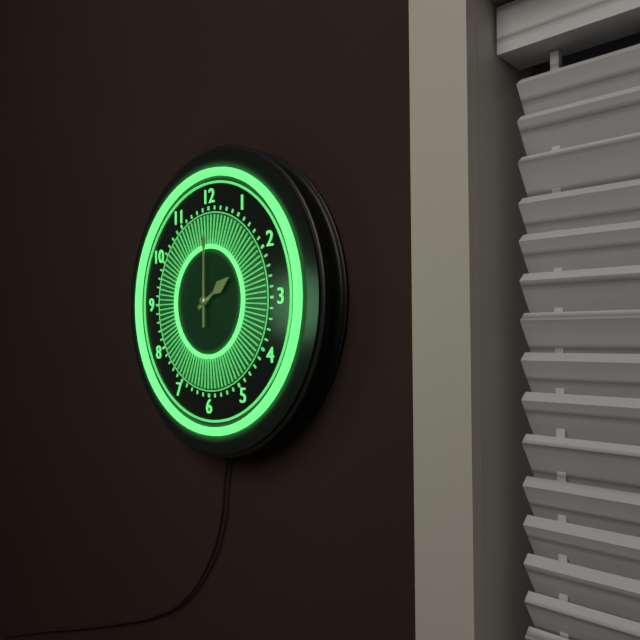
{"hour": 2, "minute": 0}
